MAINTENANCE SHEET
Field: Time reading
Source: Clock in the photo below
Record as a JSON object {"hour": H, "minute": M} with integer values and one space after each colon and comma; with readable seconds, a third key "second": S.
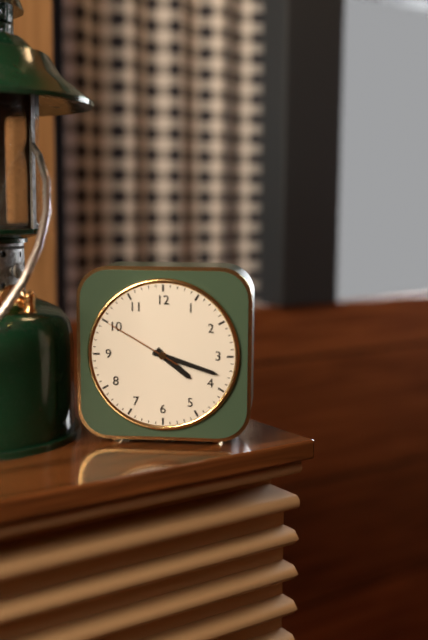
{"hour": 4, "minute": 18, "second": 50}
